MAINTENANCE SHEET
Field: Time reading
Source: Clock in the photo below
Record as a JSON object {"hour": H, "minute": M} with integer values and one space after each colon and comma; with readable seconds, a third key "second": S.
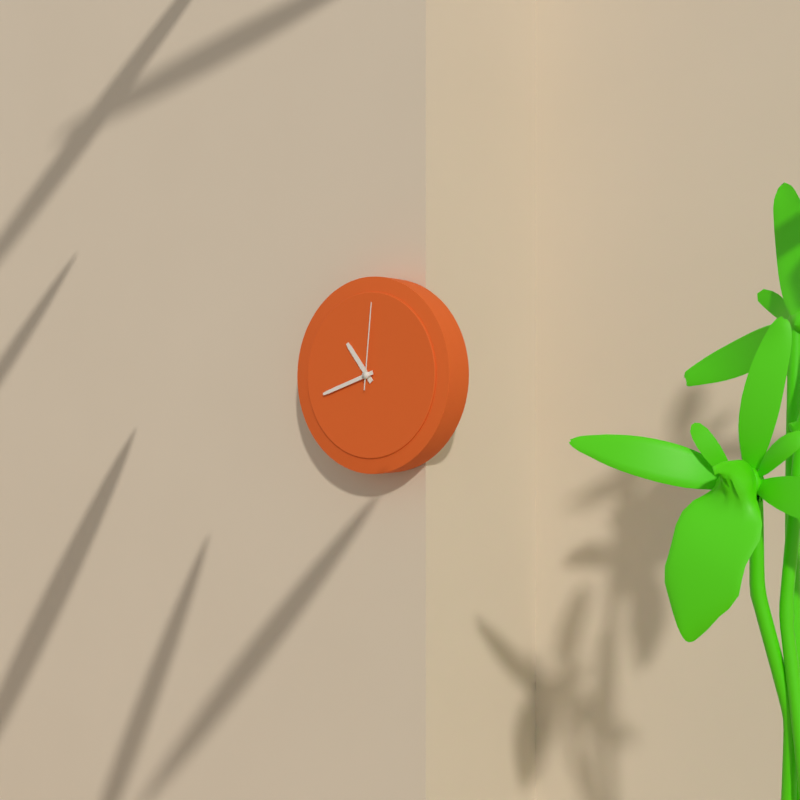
{"hour": 10, "minute": 42, "second": 1}
